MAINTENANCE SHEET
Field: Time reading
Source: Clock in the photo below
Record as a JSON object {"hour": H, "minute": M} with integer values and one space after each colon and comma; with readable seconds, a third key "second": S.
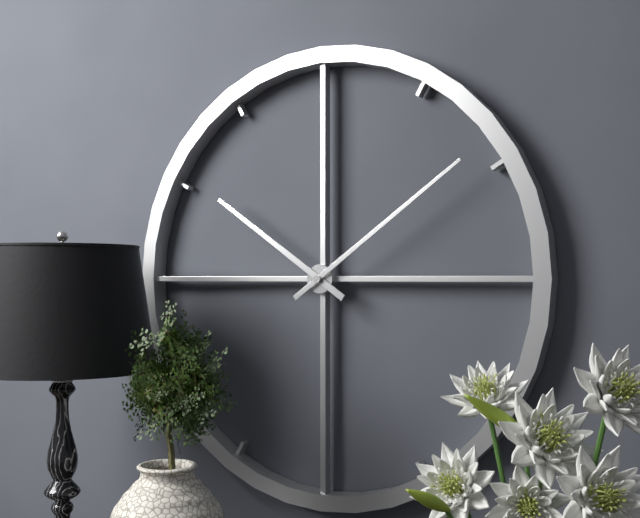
{"hour": 10, "minute": 9}
